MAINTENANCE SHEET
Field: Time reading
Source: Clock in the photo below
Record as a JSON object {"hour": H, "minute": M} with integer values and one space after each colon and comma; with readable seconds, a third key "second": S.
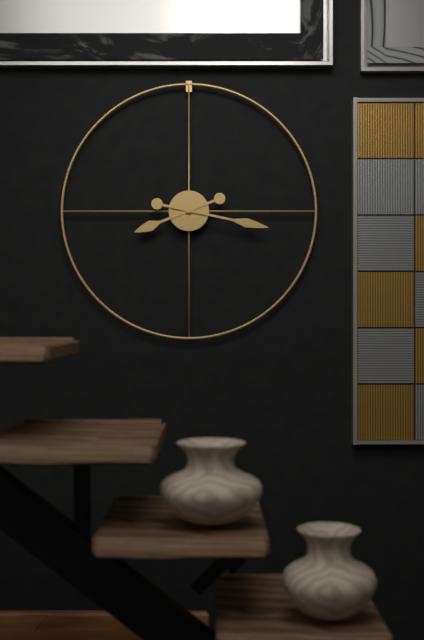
{"hour": 8, "minute": 17}
